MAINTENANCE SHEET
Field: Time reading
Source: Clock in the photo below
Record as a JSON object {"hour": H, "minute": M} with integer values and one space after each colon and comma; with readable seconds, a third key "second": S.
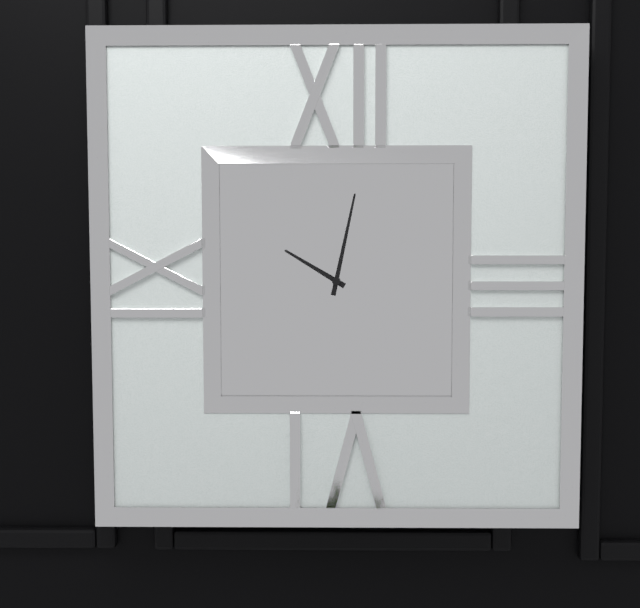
{"hour": 10, "minute": 2}
